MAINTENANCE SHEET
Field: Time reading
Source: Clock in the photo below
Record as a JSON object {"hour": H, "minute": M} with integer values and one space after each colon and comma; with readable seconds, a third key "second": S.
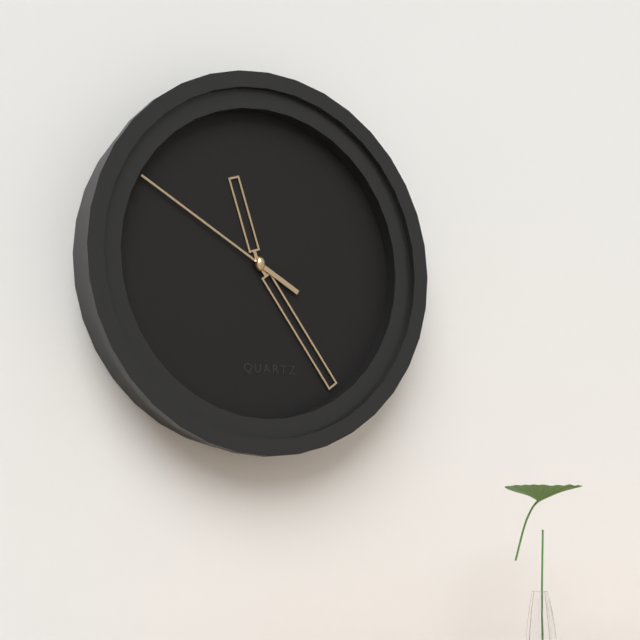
{"hour": 11, "minute": 24, "second": 50}
